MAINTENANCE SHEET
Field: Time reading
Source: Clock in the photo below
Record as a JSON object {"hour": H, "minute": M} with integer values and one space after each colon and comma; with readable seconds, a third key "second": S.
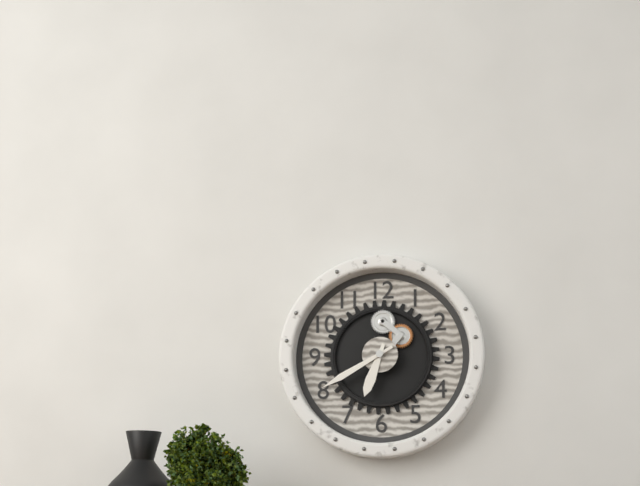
{"hour": 6, "minute": 40}
